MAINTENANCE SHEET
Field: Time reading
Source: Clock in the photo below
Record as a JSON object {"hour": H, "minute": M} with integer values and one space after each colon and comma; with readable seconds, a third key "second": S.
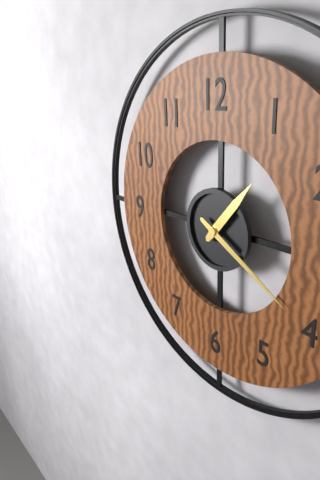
{"hour": 1, "minute": 20}
